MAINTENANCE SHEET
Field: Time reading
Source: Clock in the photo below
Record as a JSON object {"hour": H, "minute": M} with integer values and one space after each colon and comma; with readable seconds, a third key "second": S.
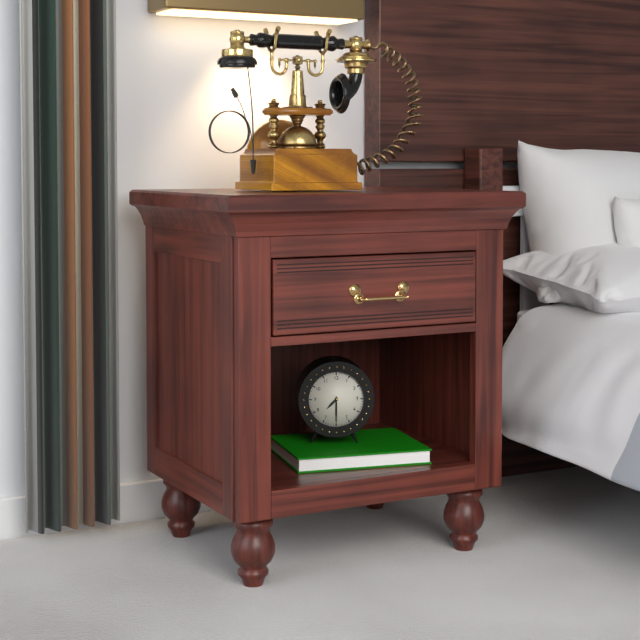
{"hour": 7, "minute": 30}
